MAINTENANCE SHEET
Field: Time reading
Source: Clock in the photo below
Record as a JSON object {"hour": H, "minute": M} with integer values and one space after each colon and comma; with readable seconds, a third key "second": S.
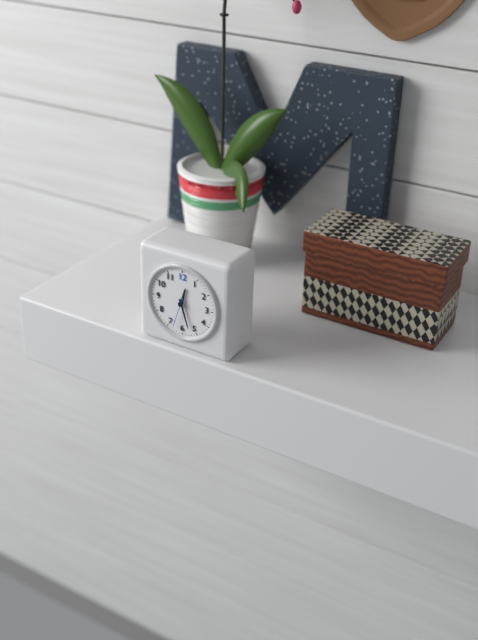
{"hour": 12, "minute": 27}
